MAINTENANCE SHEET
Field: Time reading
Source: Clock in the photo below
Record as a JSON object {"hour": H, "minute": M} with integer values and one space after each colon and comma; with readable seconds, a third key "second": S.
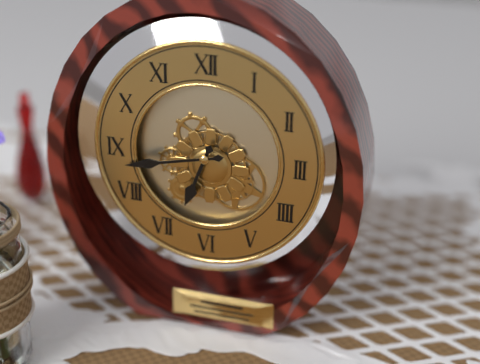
{"hour": 6, "minute": 43}
